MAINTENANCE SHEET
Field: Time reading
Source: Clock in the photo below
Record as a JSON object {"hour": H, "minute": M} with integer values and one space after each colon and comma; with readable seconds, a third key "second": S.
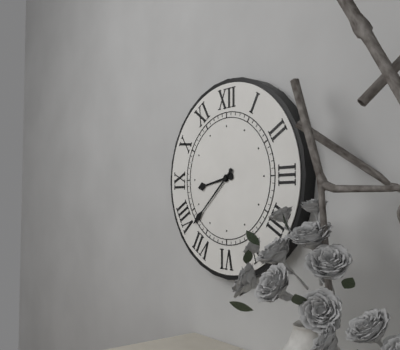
{"hour": 8, "minute": 38}
